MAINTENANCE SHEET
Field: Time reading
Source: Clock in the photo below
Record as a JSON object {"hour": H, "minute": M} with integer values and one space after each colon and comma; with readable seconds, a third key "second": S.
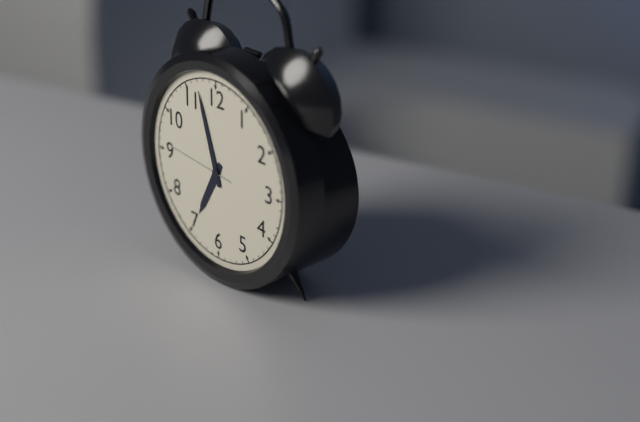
{"hour": 6, "minute": 57, "second": 46}
